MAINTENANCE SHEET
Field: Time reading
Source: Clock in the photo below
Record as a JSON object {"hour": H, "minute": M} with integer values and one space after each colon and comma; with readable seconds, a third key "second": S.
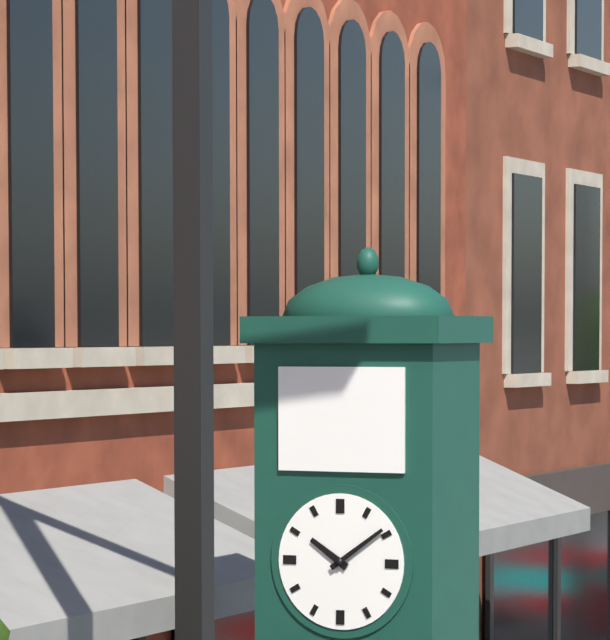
{"hour": 10, "minute": 9}
